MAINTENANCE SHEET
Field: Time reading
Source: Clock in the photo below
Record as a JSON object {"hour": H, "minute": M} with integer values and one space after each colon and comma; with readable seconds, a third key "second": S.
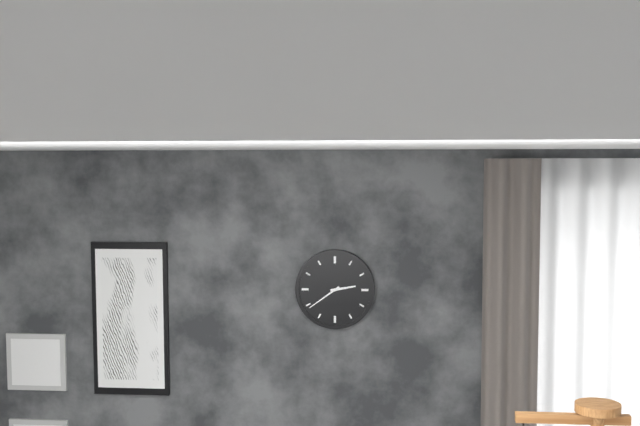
{"hour": 2, "minute": 39}
